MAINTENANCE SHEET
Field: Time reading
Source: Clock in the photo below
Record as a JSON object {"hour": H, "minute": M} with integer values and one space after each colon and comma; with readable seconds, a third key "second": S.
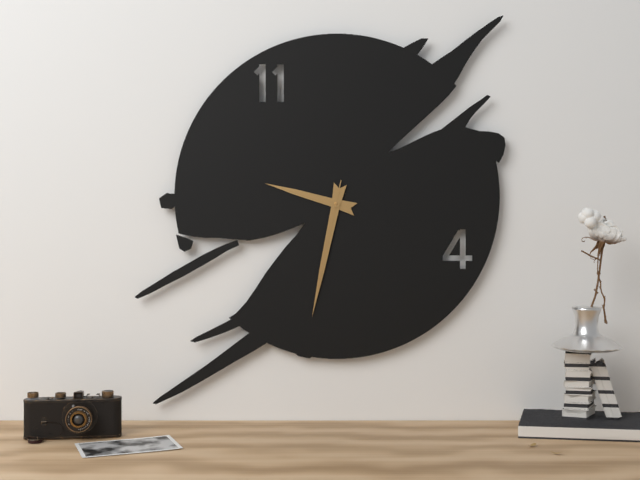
{"hour": 9, "minute": 32, "second": 32}
